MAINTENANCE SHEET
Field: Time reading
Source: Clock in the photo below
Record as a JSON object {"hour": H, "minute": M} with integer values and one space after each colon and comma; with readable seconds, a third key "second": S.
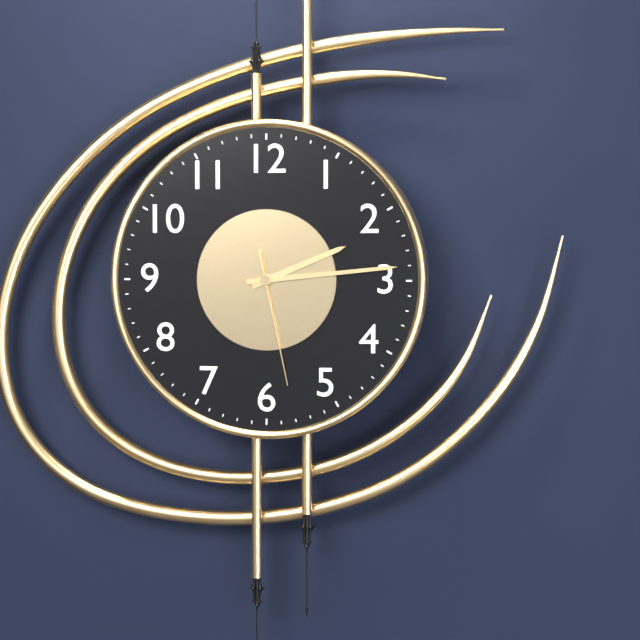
{"hour": 2, "minute": 14, "second": 28}
